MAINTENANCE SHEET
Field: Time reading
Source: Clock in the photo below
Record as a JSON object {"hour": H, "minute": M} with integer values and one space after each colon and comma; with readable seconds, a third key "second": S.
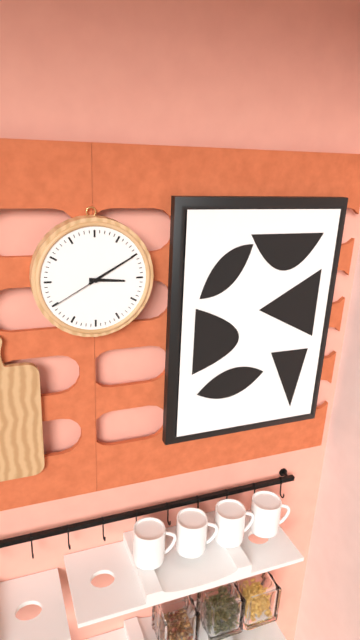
{"hour": 3, "minute": 10, "second": 40}
